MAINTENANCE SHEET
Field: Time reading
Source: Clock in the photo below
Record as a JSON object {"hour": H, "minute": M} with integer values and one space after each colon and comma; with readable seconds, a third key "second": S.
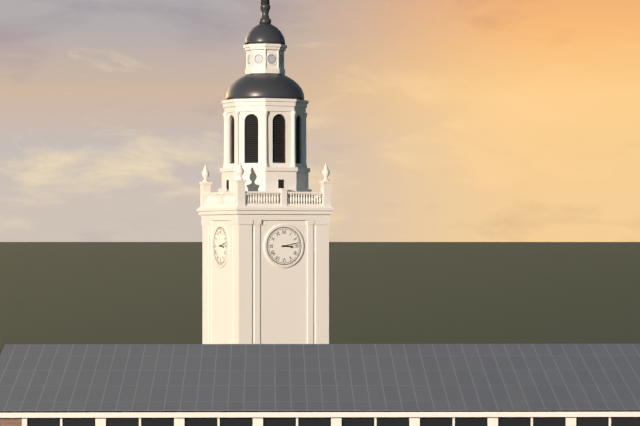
{"hour": 3, "minute": 13}
